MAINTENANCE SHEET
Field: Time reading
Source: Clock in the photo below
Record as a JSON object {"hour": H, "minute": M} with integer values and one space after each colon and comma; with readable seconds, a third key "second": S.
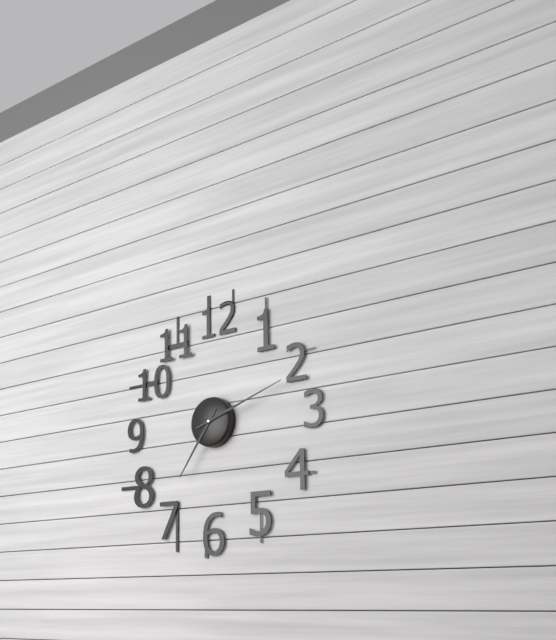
{"hour": 7, "minute": 12}
